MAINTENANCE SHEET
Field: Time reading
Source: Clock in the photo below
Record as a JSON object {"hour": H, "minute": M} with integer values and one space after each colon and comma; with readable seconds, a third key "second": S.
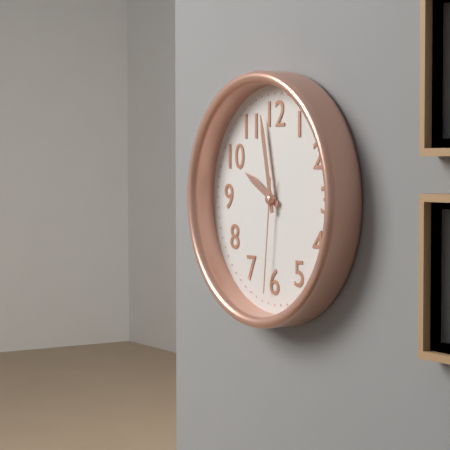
{"hour": 9, "minute": 58, "second": 31}
